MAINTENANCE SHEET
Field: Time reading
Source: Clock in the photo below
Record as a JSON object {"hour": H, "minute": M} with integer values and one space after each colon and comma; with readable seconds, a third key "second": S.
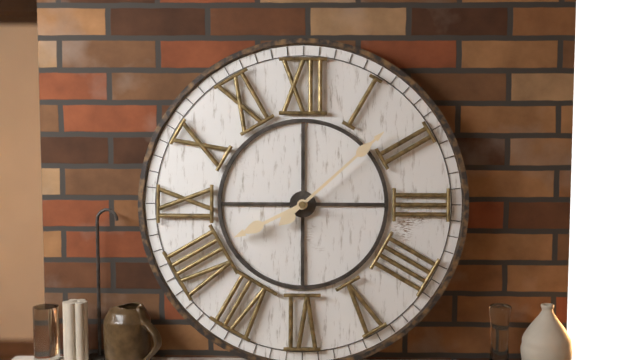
{"hour": 8, "minute": 8}
